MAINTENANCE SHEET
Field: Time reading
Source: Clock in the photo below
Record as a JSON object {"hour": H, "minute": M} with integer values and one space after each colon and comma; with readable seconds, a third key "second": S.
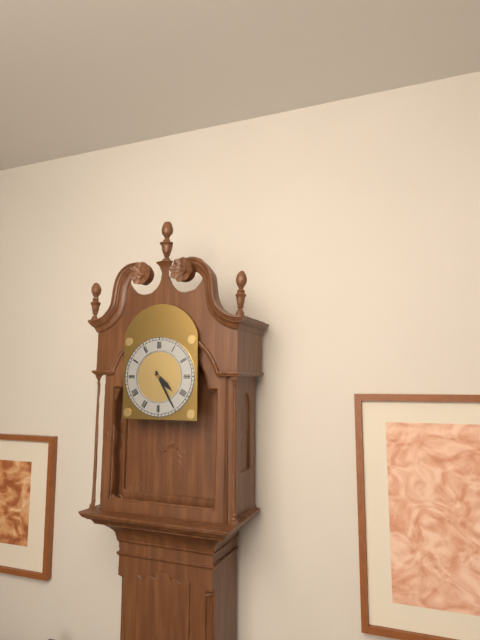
{"hour": 4, "minute": 25}
